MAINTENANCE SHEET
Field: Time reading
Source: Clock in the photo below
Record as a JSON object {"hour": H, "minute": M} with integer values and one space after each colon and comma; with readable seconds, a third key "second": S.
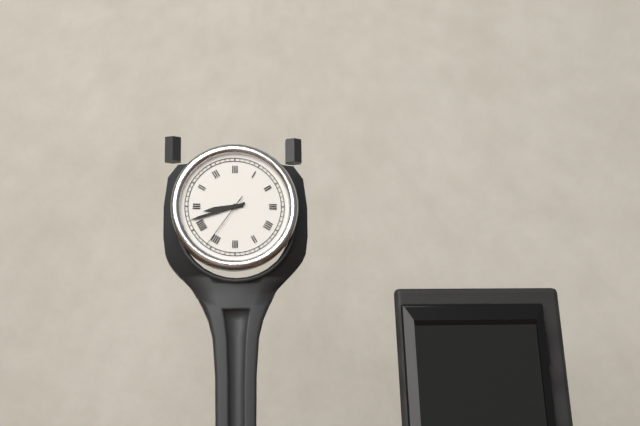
{"hour": 8, "minute": 42, "second": 36}
